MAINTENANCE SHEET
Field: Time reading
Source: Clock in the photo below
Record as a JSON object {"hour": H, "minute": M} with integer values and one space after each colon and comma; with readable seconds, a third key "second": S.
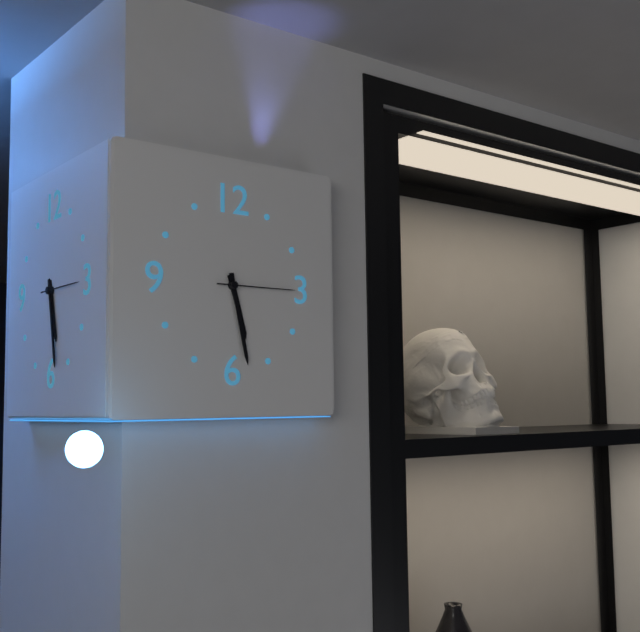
{"hour": 5, "minute": 28, "second": 15}
